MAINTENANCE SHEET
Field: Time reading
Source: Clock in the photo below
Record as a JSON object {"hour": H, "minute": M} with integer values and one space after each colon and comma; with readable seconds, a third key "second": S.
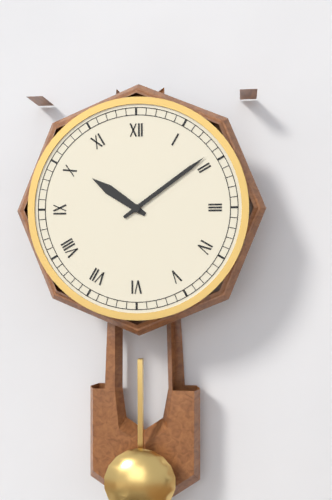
{"hour": 10, "minute": 9}
